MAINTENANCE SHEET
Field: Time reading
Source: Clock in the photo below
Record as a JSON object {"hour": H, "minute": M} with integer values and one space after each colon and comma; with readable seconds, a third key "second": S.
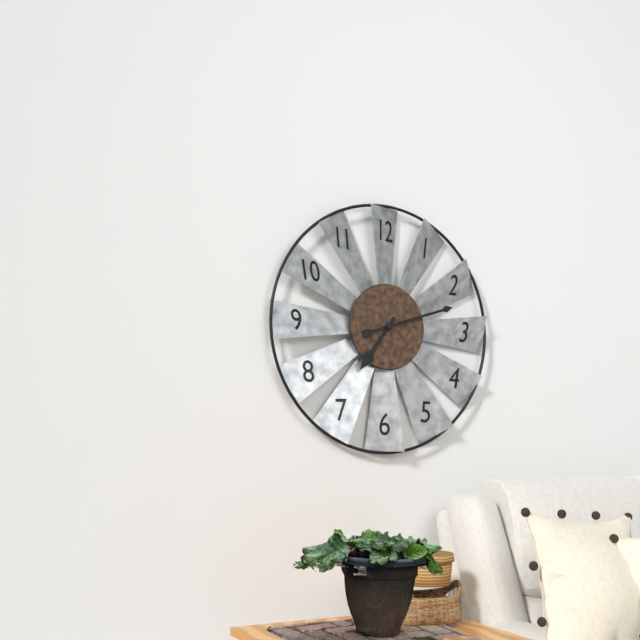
{"hour": 7, "minute": 12}
